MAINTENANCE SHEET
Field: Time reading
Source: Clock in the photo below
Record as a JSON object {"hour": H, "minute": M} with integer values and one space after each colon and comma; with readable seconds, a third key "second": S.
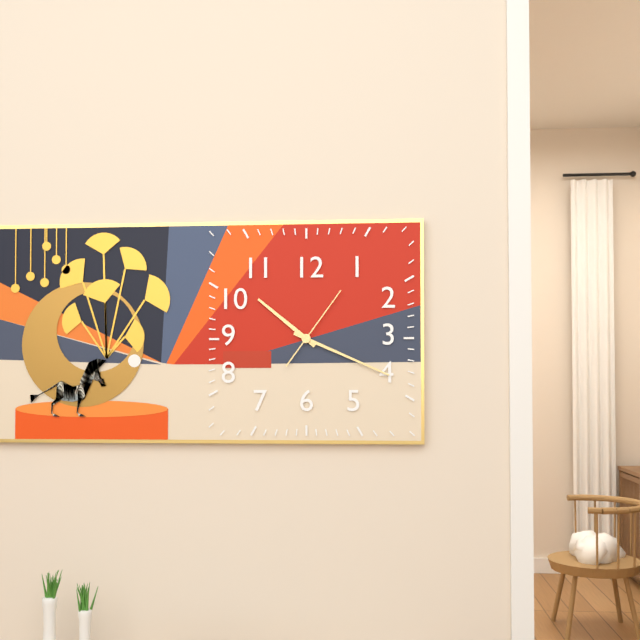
{"hour": 10, "minute": 19, "second": 6}
